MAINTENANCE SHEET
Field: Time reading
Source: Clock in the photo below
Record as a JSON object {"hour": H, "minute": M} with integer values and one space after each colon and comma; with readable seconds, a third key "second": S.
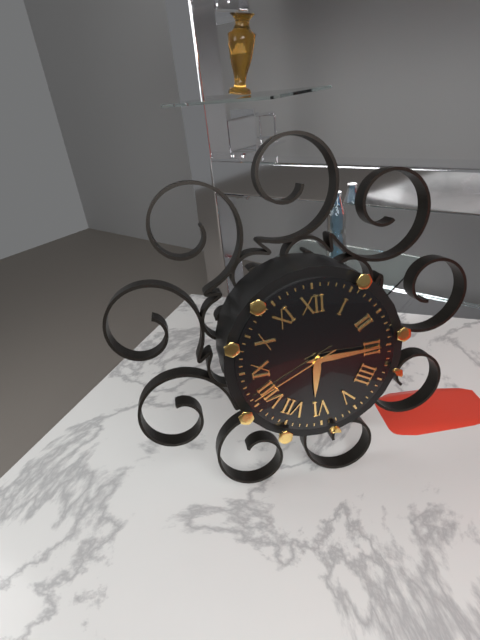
{"hour": 6, "minute": 15, "second": 41}
